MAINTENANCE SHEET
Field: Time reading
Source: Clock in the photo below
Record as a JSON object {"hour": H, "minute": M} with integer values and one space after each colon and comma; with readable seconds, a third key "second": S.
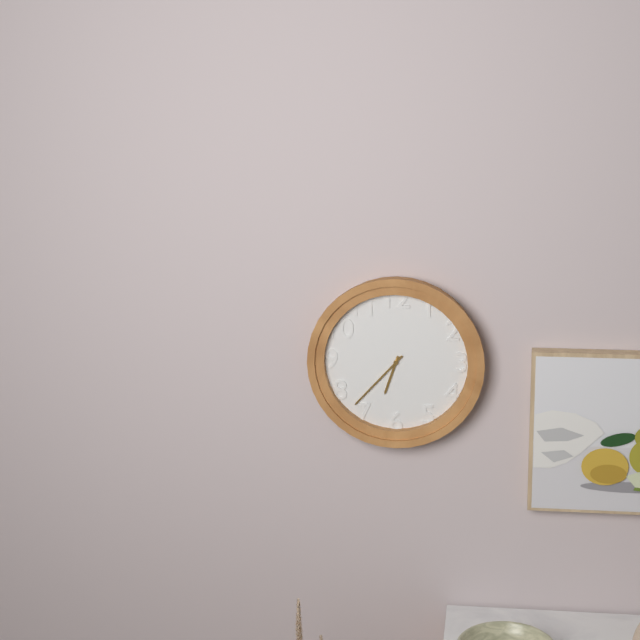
{"hour": 6, "minute": 37}
